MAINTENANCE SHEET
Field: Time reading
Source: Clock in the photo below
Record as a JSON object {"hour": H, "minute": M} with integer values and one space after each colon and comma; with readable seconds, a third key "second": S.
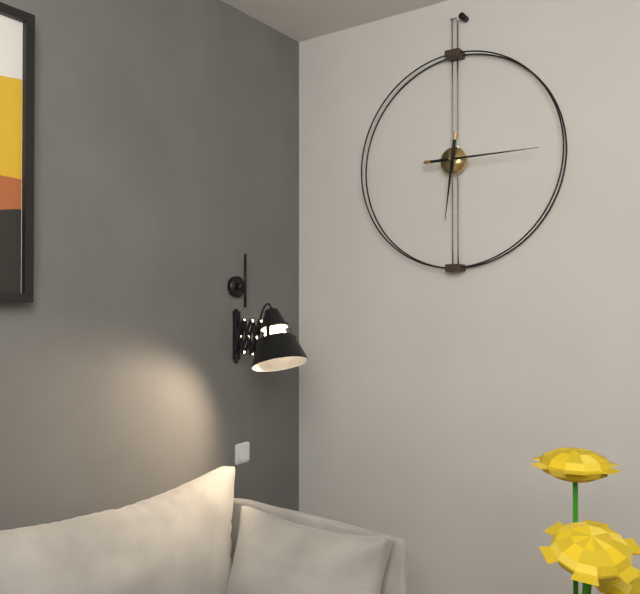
{"hour": 6, "minute": 15}
